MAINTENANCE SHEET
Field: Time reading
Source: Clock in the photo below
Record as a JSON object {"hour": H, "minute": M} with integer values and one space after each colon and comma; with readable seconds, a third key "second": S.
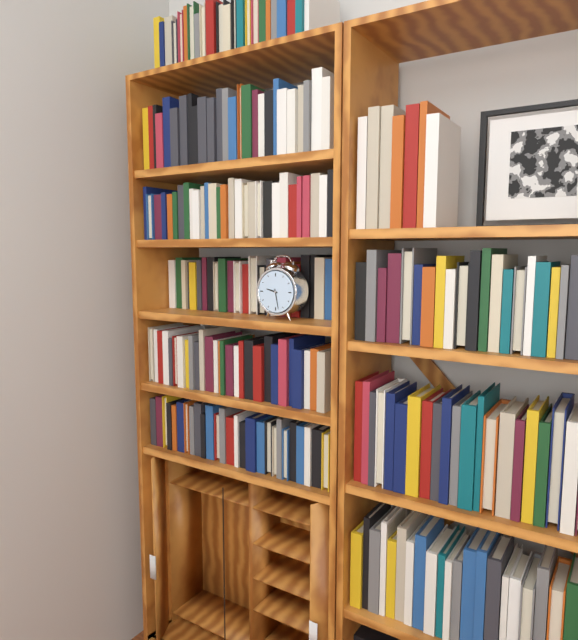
{"hour": 9, "minute": 28}
